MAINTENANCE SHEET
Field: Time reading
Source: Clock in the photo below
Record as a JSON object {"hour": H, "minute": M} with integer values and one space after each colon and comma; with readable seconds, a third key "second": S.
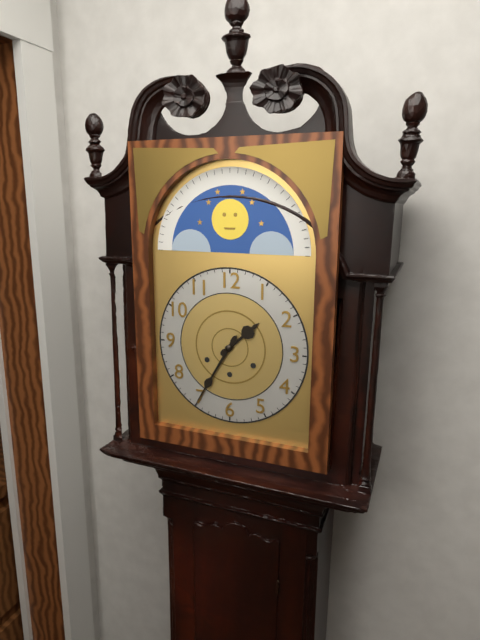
{"hour": 1, "minute": 35}
